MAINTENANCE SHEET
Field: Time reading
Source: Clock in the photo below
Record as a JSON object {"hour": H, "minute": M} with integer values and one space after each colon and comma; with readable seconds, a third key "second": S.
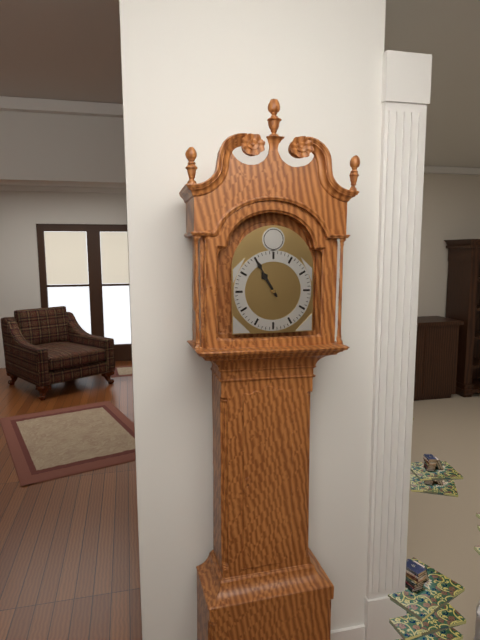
{"hour": 10, "minute": 55}
